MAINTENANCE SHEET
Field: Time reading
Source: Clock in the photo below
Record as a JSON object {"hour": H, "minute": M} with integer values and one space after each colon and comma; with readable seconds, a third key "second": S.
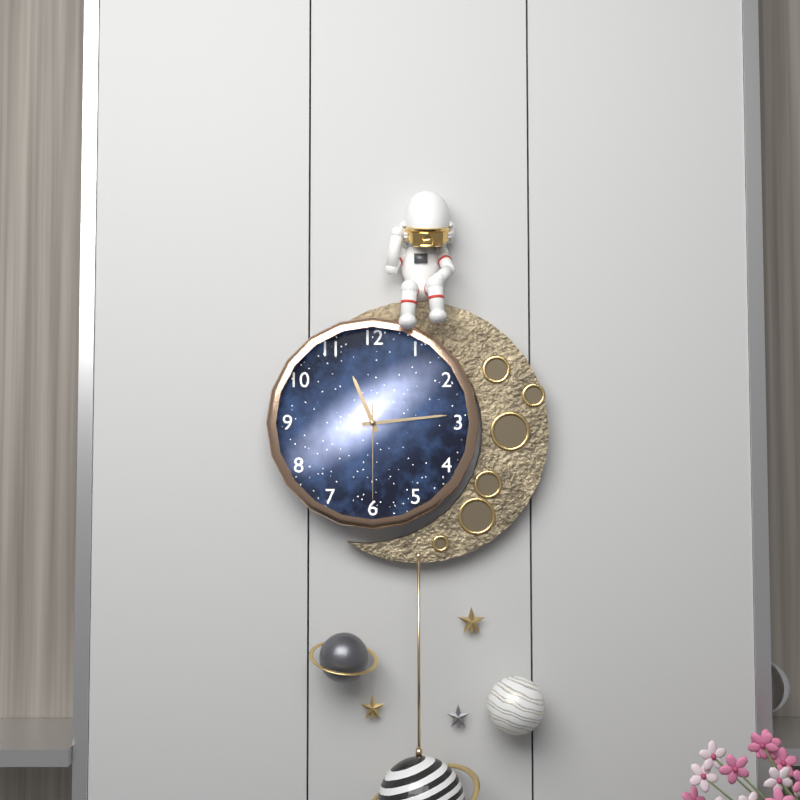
{"hour": 11, "minute": 14, "second": 30}
